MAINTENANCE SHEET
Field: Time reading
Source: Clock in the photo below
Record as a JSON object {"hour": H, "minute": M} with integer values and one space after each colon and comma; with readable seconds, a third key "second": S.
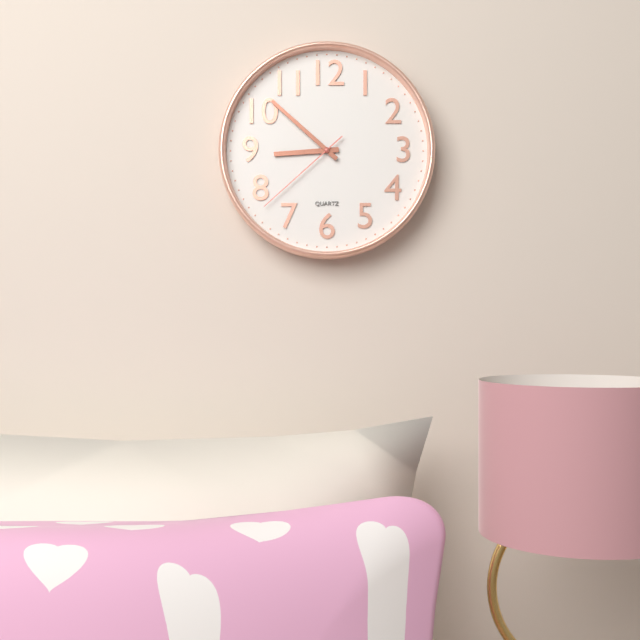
{"hour": 8, "minute": 52, "second": 38}
